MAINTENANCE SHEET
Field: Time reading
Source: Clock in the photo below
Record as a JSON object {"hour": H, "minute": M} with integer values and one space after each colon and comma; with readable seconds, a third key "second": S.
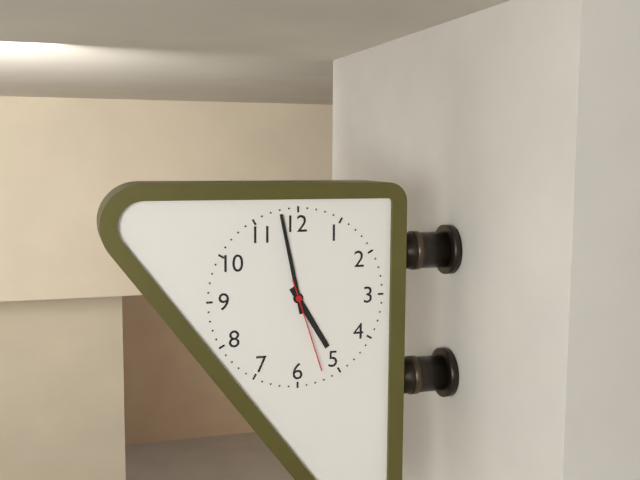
{"hour": 4, "minute": 58, "second": 27}
